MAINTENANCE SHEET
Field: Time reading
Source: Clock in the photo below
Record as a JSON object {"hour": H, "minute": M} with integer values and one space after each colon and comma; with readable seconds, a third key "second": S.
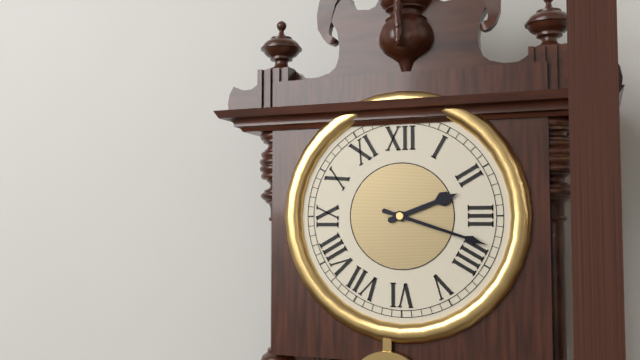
{"hour": 2, "minute": 18}
